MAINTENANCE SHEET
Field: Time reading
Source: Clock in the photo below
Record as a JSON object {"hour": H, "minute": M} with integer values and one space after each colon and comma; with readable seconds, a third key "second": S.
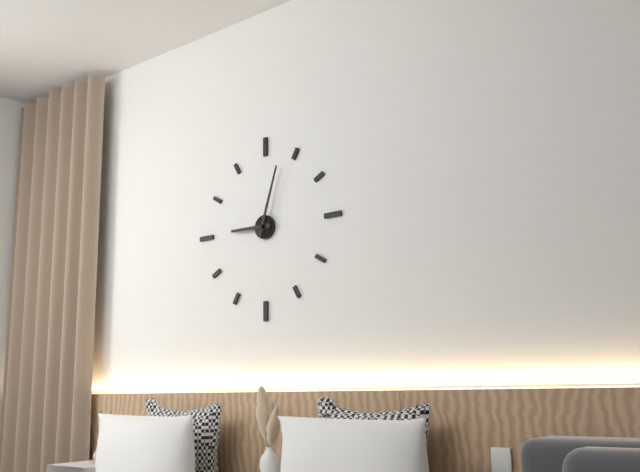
{"hour": 9, "minute": 3}
